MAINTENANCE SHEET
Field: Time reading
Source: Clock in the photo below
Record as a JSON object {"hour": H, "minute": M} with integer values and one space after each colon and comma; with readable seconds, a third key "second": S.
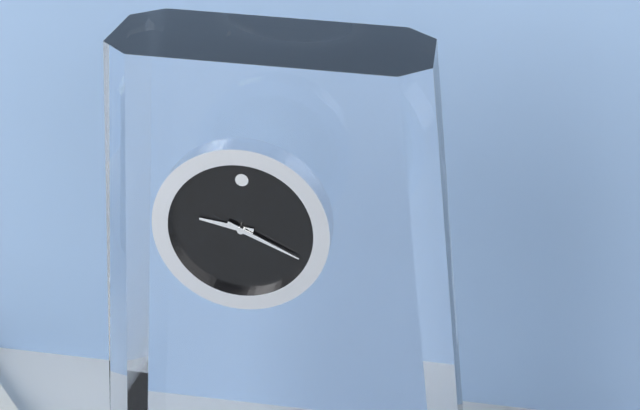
{"hour": 9, "minute": 19}
